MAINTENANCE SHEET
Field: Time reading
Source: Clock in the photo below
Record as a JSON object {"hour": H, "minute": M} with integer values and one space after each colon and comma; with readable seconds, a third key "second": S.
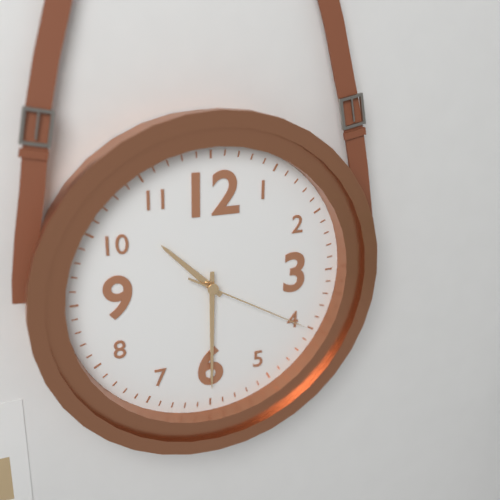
{"hour": 10, "minute": 30, "second": 20}
